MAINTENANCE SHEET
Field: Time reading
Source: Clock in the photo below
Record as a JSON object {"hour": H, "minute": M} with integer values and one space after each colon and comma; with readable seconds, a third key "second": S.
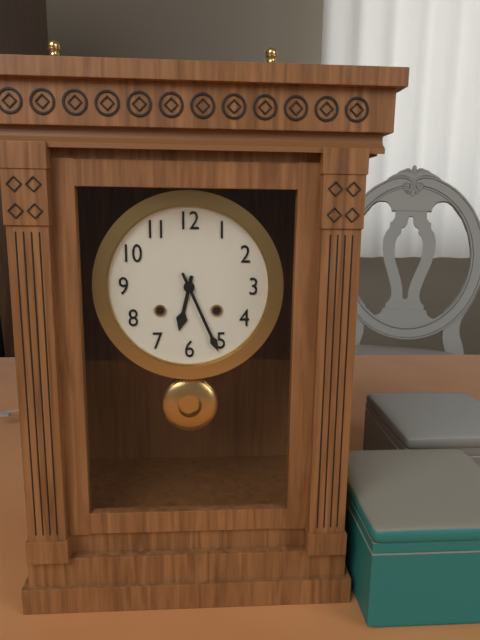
{"hour": 6, "minute": 26}
